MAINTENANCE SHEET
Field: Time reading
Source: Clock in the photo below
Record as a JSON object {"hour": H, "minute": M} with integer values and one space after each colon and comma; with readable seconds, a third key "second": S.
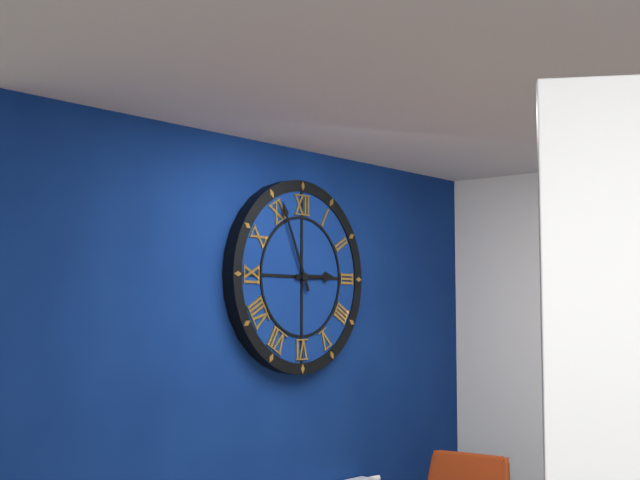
{"hour": 2, "minute": 56}
